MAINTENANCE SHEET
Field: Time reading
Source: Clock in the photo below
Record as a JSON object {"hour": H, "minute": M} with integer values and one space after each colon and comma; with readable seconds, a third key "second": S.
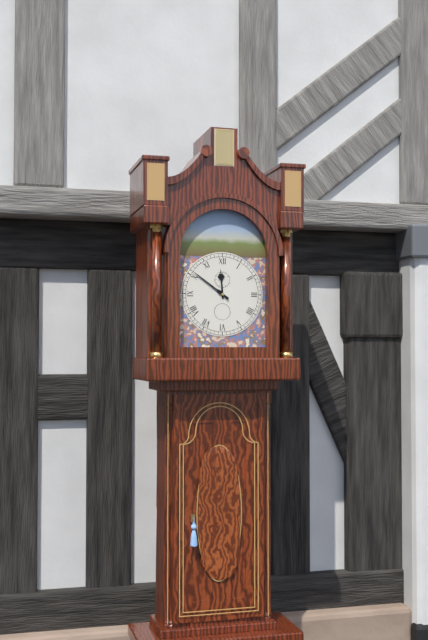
{"hour": 11, "minute": 51}
